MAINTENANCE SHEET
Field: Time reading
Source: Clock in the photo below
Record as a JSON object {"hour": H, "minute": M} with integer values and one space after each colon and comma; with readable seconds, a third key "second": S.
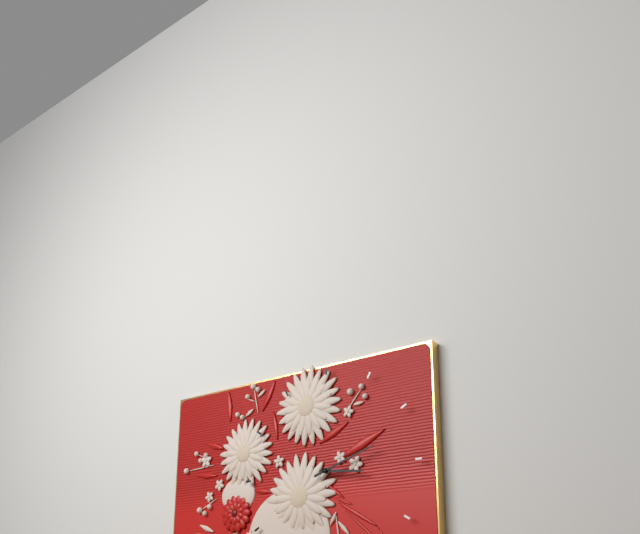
{"hour": 3, "minute": 12}
